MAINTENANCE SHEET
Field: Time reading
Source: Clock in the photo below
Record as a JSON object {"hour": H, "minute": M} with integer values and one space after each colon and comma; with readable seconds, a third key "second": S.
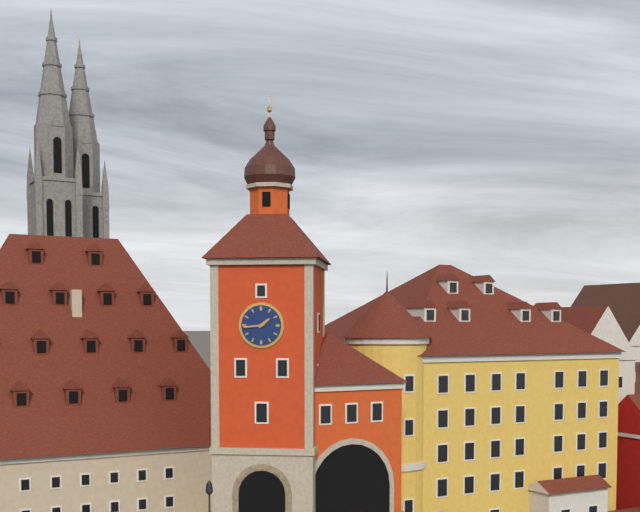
{"hour": 1, "minute": 44}
